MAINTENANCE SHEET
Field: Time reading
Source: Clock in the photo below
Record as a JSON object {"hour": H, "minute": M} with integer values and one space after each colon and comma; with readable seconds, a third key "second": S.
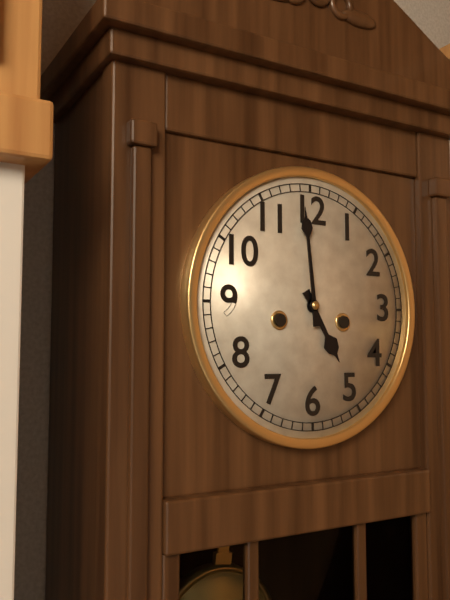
{"hour": 4, "minute": 59}
